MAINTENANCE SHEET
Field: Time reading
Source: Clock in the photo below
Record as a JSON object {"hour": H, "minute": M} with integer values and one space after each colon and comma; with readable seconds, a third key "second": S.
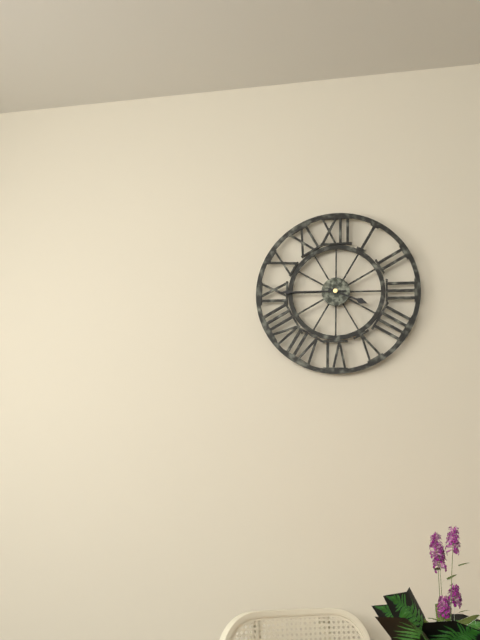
{"hour": 3, "minute": 45}
